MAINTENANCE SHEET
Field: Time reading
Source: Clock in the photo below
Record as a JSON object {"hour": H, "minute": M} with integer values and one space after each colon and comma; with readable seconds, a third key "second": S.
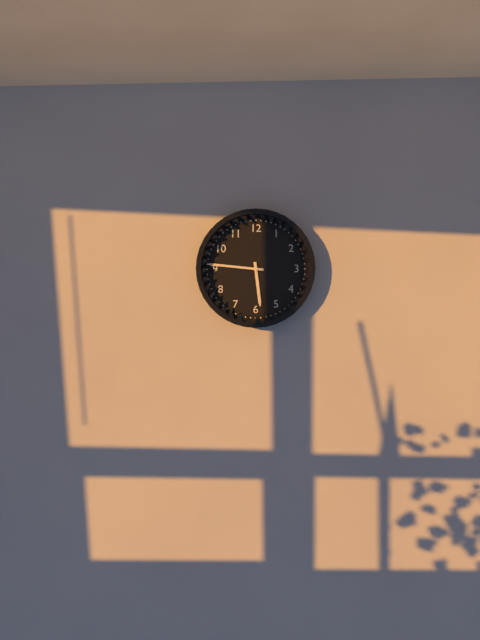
{"hour": 5, "minute": 46}
